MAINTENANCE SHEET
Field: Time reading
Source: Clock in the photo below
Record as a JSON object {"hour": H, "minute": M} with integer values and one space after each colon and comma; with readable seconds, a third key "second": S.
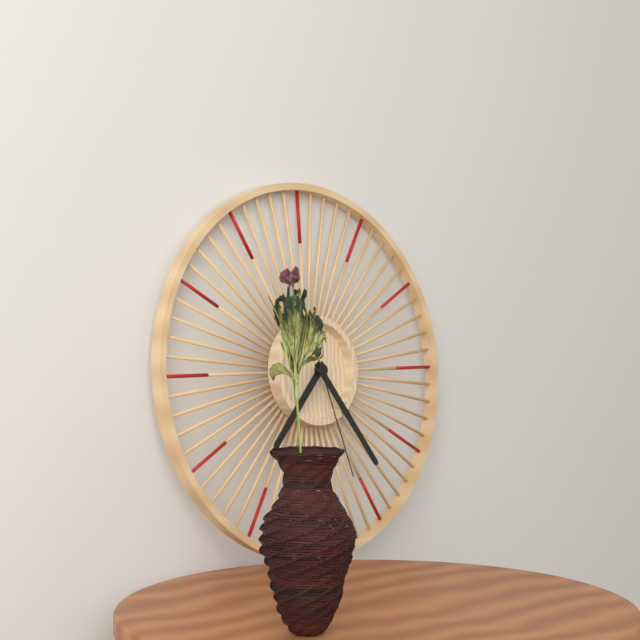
{"hour": 7, "minute": 24, "second": 27}
